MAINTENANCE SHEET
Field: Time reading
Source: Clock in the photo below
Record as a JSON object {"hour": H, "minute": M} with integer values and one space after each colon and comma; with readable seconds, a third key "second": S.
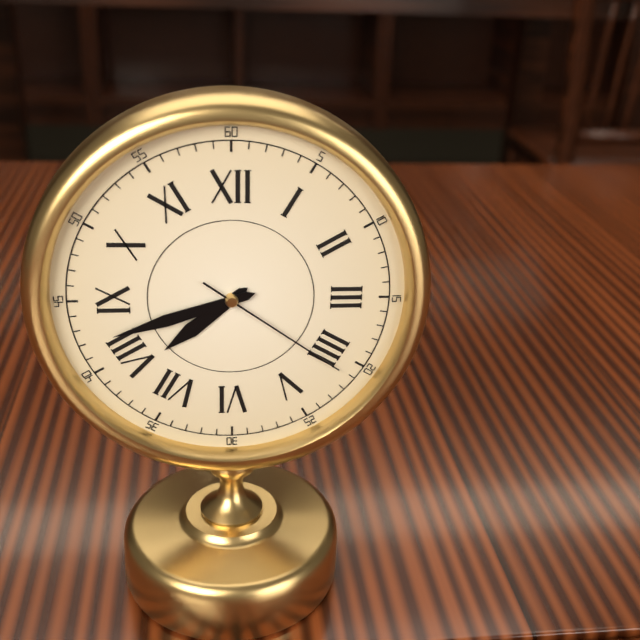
{"hour": 7, "minute": 42, "second": 21}
